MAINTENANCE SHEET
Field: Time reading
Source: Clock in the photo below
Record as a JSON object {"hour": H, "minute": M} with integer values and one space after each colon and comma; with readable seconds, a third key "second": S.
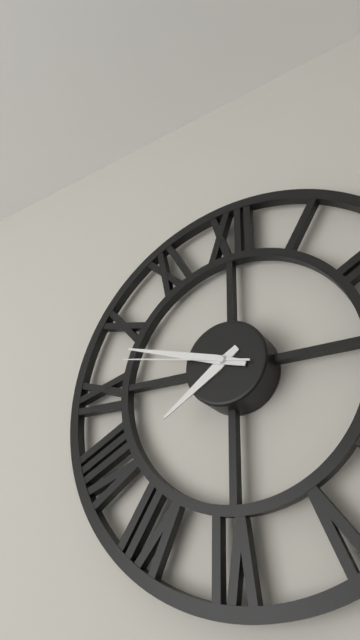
{"hour": 7, "minute": 48, "second": 47}
